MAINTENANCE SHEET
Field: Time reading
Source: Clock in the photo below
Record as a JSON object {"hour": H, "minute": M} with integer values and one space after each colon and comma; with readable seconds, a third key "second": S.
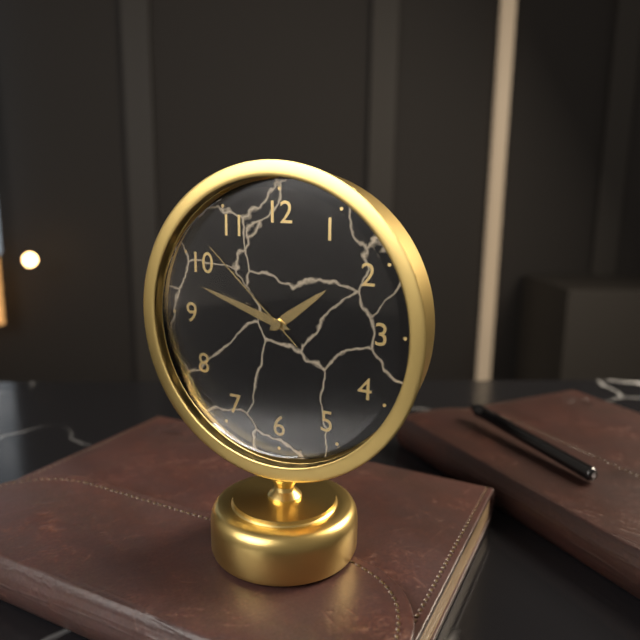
{"hour": 1, "minute": 48, "second": 52}
